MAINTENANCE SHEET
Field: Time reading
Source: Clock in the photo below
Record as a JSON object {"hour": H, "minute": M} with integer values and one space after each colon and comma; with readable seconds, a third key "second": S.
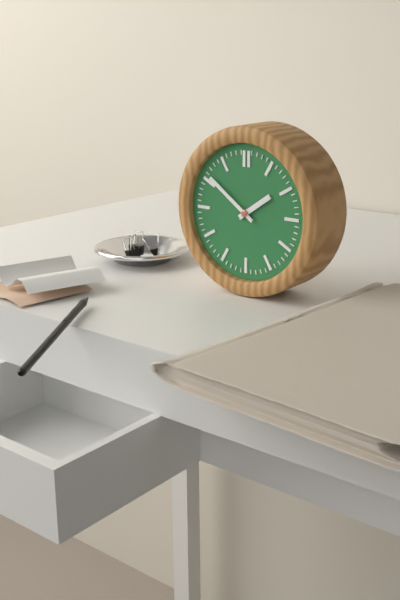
{"hour": 1, "minute": 51}
